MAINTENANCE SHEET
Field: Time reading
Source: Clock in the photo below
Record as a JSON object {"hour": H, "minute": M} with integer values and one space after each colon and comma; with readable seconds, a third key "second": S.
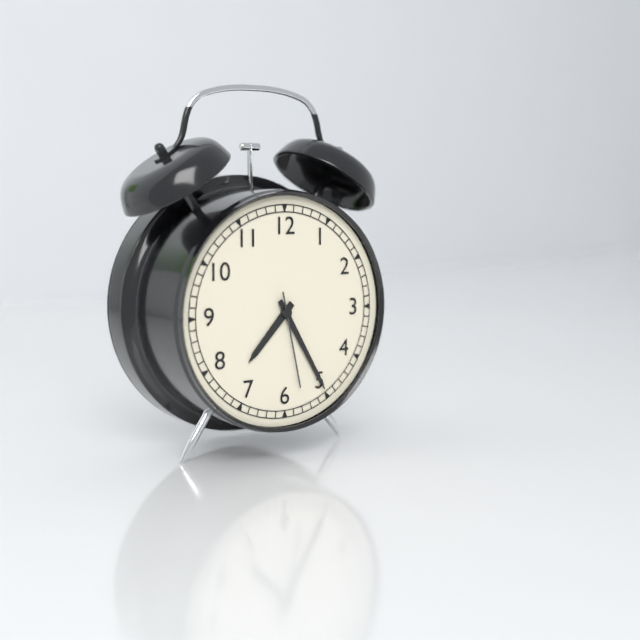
{"hour": 7, "minute": 25, "second": 28}
